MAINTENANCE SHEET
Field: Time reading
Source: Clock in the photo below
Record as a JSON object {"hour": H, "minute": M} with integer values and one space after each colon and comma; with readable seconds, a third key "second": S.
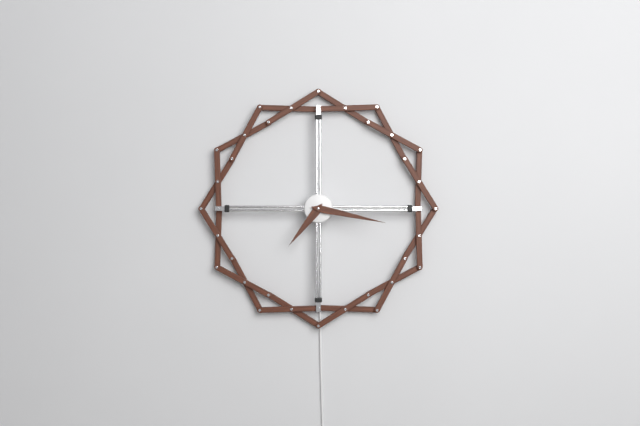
{"hour": 7, "minute": 17}
